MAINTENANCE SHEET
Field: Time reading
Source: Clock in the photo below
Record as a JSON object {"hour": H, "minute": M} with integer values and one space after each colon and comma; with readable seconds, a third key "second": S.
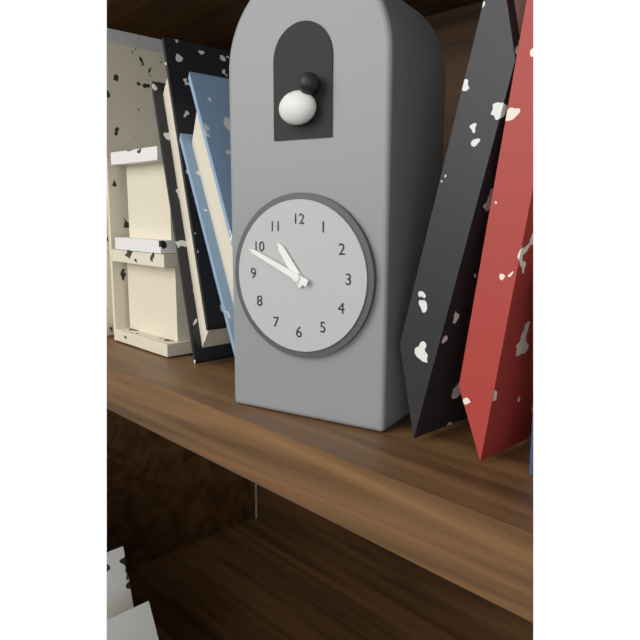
{"hour": 10, "minute": 49}
